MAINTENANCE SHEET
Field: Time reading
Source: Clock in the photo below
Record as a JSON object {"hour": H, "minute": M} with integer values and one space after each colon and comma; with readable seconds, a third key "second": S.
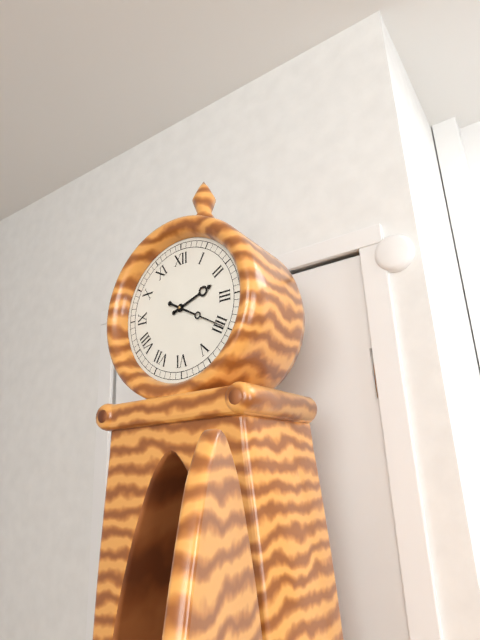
{"hour": 2, "minute": 20}
